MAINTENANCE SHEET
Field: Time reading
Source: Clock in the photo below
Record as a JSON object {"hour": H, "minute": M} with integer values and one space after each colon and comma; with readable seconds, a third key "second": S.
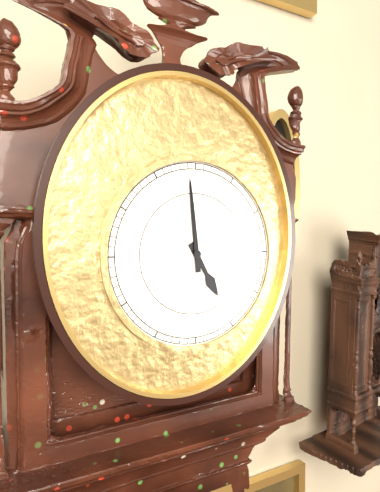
{"hour": 4, "minute": 59}
